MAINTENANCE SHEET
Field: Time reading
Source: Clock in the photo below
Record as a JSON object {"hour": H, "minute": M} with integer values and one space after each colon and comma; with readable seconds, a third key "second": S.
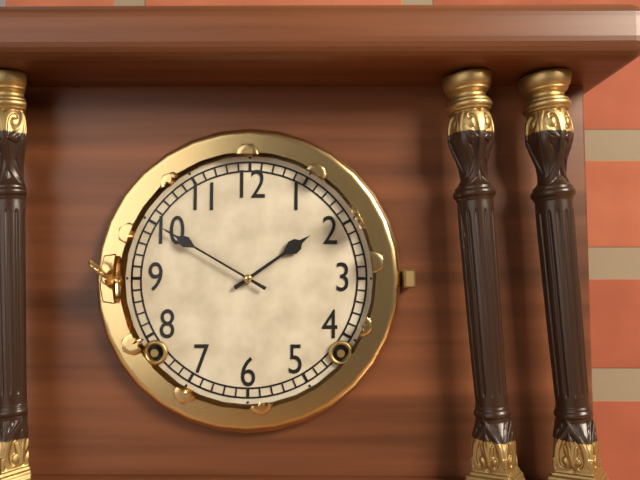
{"hour": 1, "minute": 50}
